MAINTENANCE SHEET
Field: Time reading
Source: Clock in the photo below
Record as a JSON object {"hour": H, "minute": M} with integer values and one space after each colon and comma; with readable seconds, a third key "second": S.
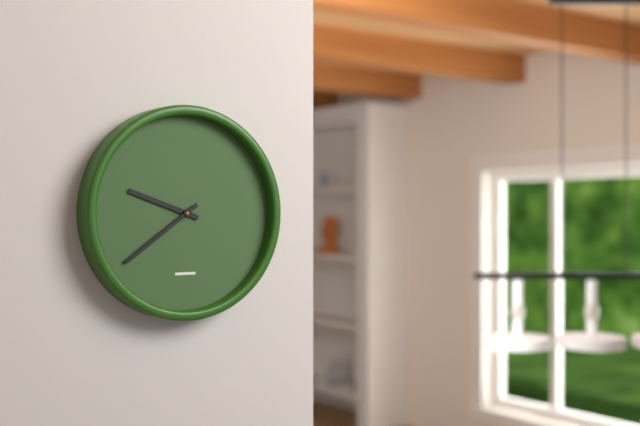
{"hour": 9, "minute": 39}
